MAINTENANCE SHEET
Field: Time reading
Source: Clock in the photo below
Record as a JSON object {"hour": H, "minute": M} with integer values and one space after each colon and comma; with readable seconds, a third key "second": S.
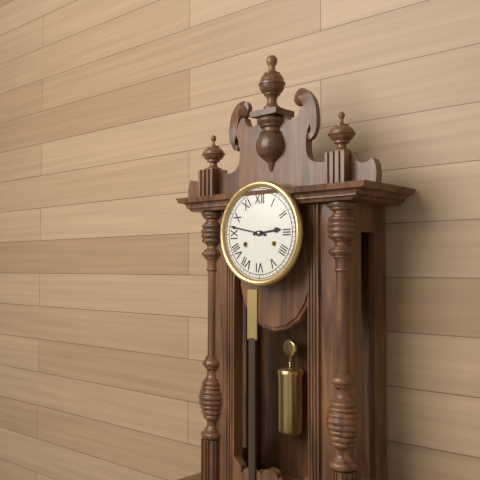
{"hour": 2, "minute": 47}
